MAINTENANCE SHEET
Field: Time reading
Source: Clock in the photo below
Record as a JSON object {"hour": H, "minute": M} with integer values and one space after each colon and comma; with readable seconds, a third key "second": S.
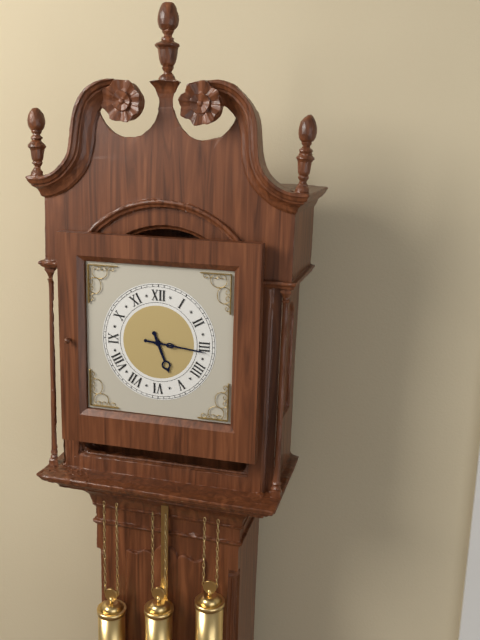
{"hour": 5, "minute": 16}
